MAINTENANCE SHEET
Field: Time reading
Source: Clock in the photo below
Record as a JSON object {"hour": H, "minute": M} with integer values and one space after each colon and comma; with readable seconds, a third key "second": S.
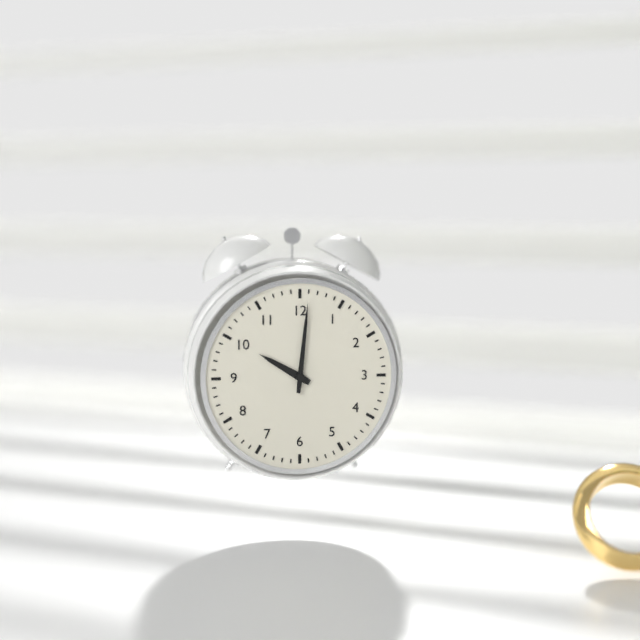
{"hour": 10, "minute": 1}
